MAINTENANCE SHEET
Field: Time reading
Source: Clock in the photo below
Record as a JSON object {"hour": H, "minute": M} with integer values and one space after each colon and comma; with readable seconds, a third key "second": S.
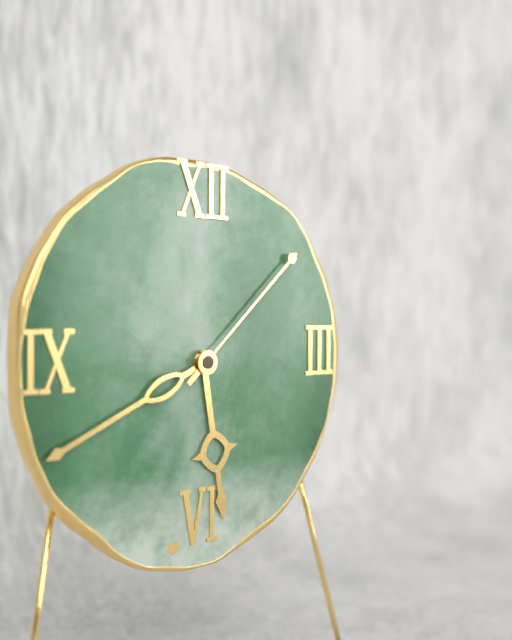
{"hour": 5, "minute": 41, "second": 8}
